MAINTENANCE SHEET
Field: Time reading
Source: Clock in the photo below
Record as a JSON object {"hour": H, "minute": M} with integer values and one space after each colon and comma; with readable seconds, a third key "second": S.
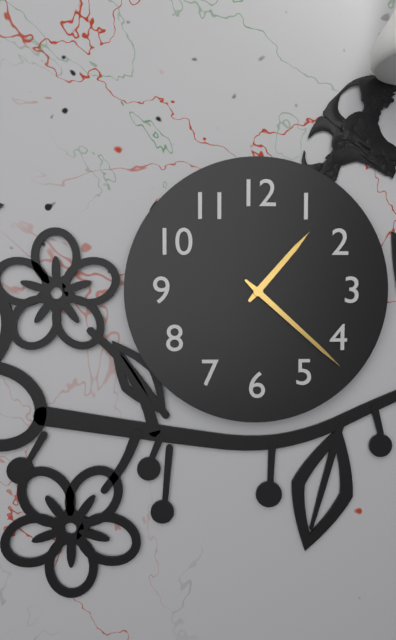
{"hour": 1, "minute": 22}
